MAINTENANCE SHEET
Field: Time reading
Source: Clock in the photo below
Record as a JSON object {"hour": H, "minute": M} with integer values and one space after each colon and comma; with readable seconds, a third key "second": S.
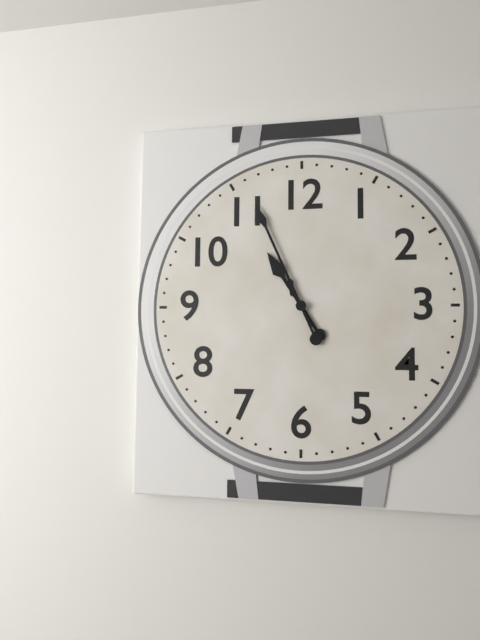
{"hour": 10, "minute": 56}
